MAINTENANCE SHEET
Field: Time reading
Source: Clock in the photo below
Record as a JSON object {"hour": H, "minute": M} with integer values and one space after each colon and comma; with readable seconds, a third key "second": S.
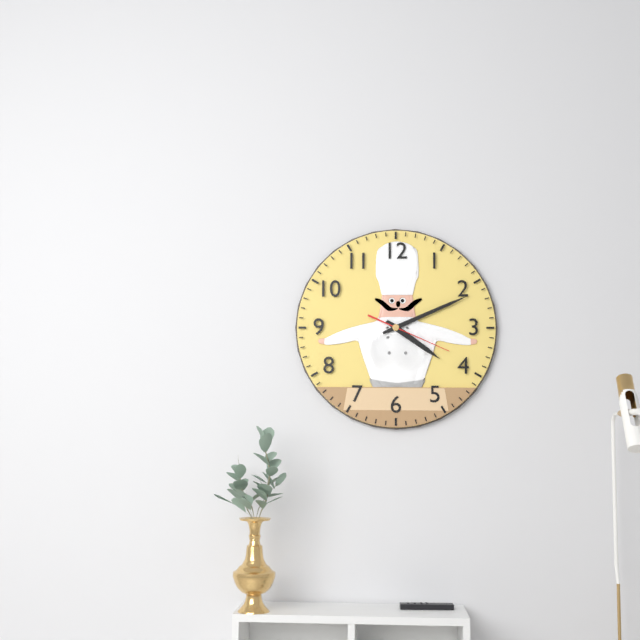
{"hour": 4, "minute": 11, "second": 19}
